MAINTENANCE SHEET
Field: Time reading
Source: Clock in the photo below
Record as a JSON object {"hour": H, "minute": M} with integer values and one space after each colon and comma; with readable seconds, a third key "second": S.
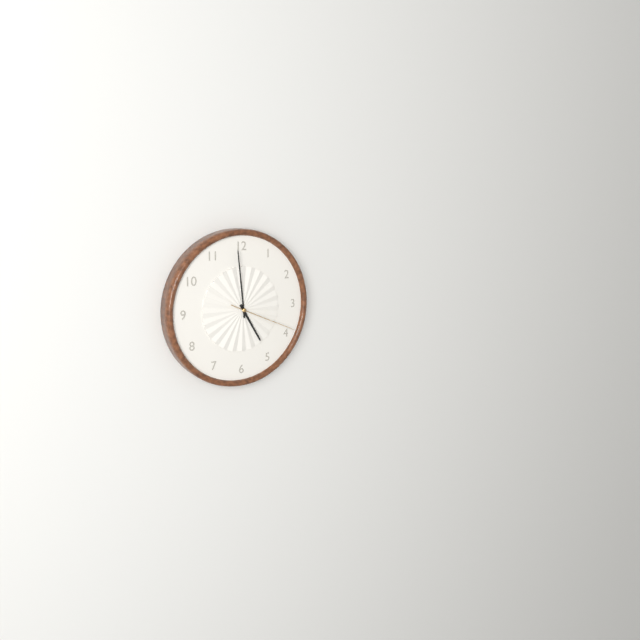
{"hour": 4, "minute": 59, "second": 19}
